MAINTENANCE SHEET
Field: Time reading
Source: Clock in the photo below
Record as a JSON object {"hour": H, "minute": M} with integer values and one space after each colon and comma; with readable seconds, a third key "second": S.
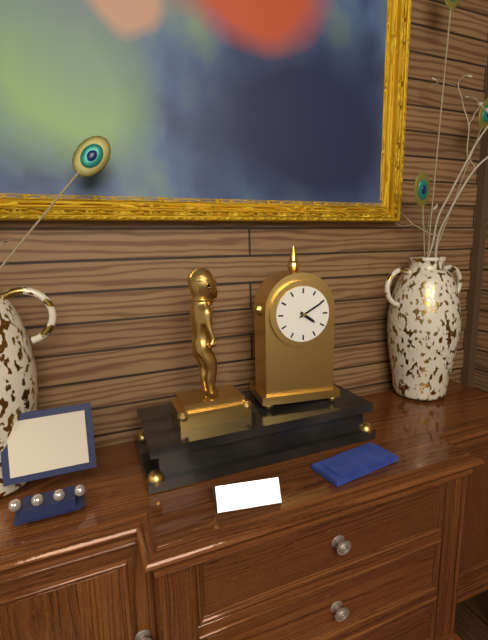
{"hour": 4, "minute": 10}
